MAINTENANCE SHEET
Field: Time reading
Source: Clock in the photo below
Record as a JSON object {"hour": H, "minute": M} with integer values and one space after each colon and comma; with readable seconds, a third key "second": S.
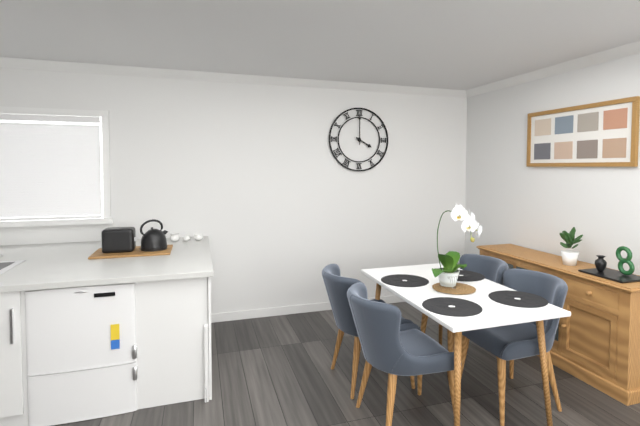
{"hour": 4, "minute": 0}
